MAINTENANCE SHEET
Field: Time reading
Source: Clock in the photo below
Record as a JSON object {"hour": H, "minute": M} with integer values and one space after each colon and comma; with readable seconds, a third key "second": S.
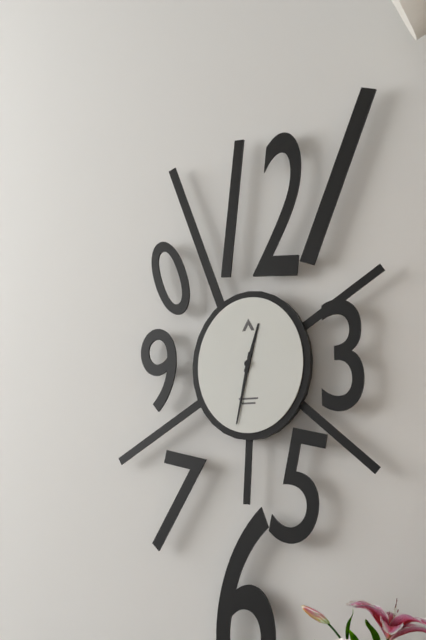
{"hour": 12, "minute": 32}
